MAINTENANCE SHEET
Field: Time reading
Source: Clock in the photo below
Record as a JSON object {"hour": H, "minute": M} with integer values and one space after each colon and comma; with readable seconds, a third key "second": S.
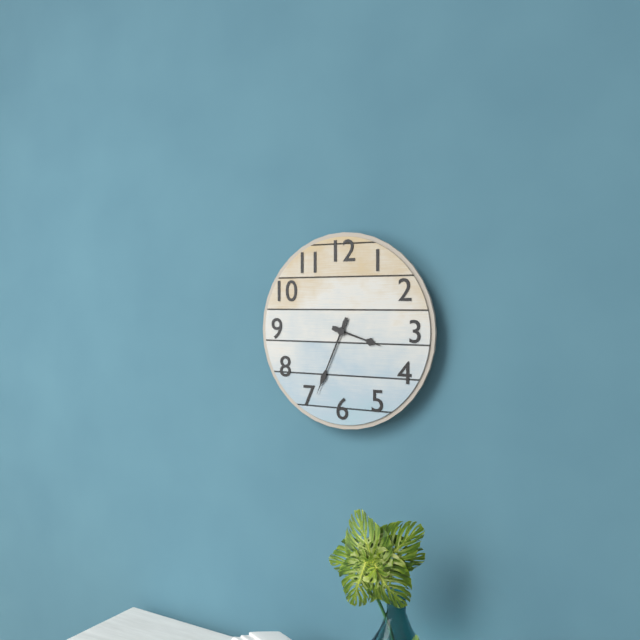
{"hour": 3, "minute": 34}
